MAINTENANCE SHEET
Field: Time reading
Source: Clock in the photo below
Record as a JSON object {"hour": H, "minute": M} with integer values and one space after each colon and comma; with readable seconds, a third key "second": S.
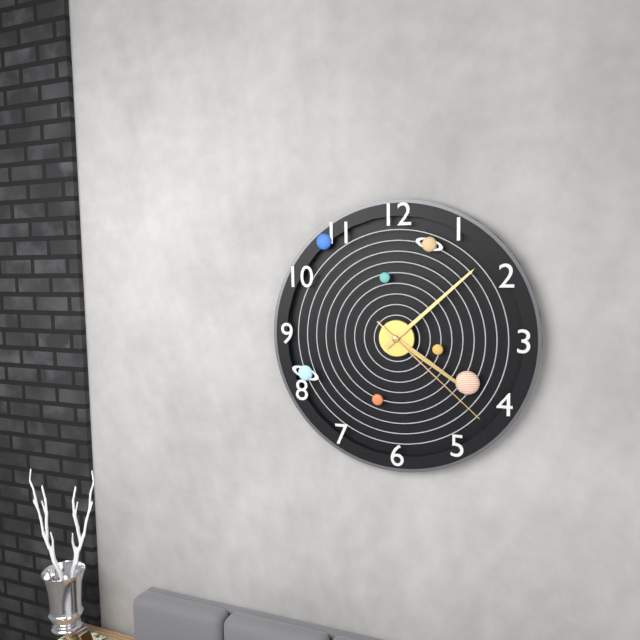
{"hour": 4, "minute": 8, "second": 22}
